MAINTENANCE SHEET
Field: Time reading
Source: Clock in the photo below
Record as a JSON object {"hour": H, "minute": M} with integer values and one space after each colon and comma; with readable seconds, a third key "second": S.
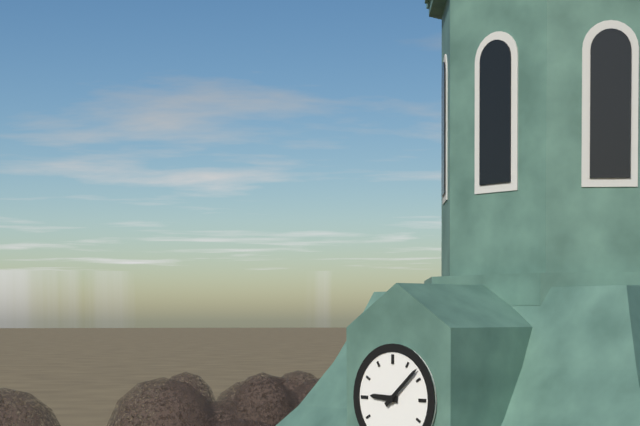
{"hour": 9, "minute": 8}
